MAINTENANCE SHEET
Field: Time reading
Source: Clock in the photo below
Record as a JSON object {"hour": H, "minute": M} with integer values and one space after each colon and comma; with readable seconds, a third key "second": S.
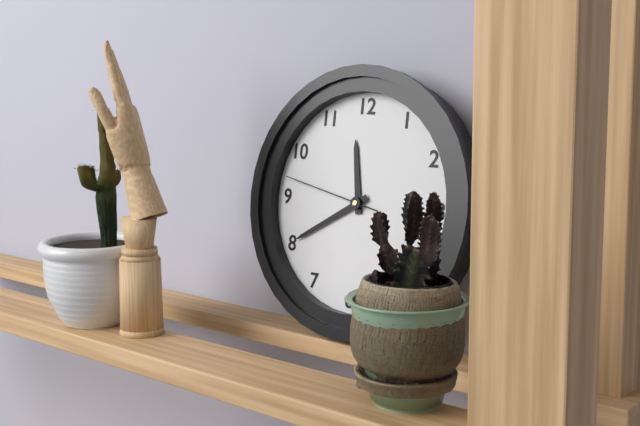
{"hour": 11, "minute": 40, "second": 47}
